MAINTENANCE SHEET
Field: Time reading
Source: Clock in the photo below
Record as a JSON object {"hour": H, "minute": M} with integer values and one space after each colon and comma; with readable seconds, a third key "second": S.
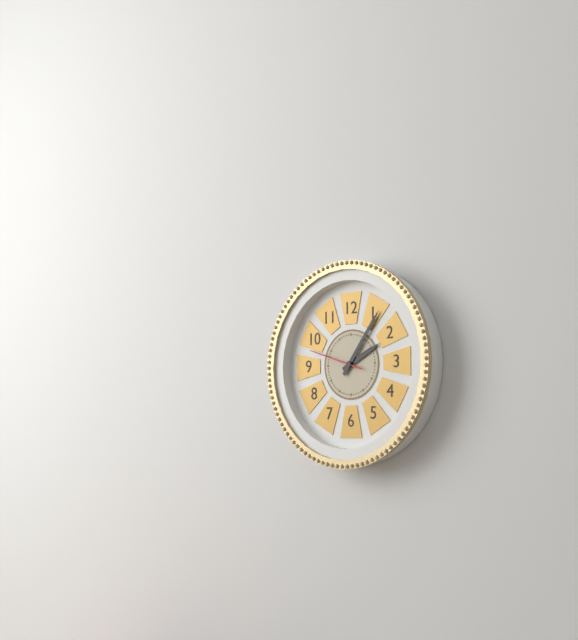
{"hour": 2, "minute": 6, "second": 48}
